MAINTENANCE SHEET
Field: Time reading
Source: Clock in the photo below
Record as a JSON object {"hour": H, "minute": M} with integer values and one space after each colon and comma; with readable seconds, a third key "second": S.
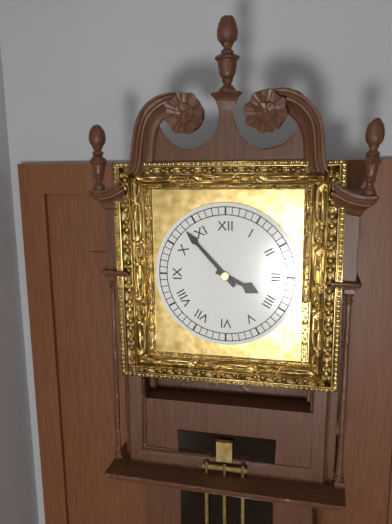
{"hour": 3, "minute": 53}
